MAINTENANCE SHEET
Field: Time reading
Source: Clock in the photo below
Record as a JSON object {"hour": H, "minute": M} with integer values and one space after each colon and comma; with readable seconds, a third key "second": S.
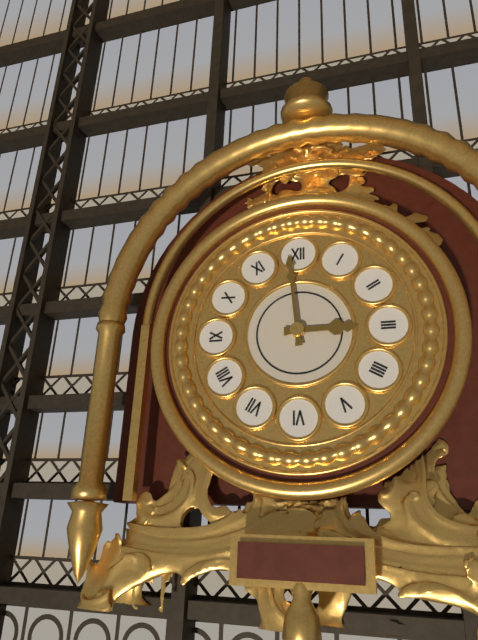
{"hour": 2, "minute": 59}
